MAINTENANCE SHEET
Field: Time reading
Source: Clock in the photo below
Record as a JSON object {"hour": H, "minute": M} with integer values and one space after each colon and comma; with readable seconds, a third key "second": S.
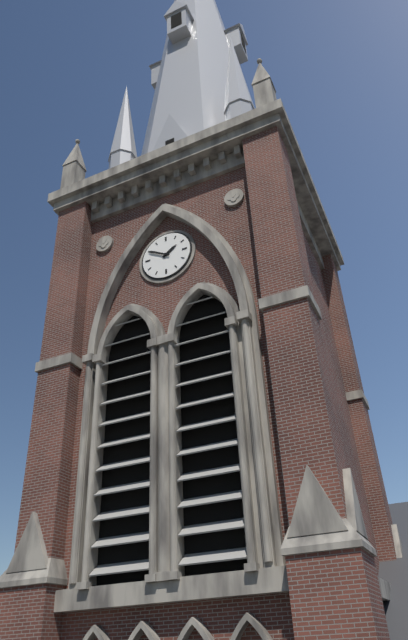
{"hour": 1, "minute": 50}
